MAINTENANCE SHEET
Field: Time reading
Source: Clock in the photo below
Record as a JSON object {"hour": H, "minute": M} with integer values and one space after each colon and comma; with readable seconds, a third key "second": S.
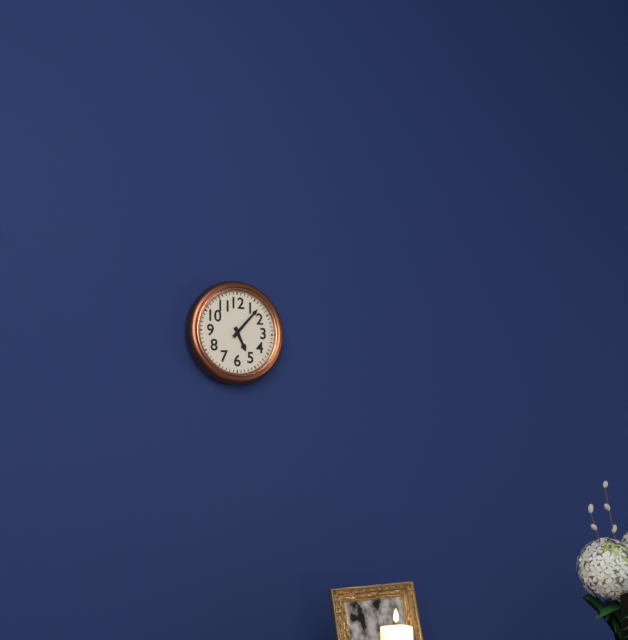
{"hour": 5, "minute": 7}
